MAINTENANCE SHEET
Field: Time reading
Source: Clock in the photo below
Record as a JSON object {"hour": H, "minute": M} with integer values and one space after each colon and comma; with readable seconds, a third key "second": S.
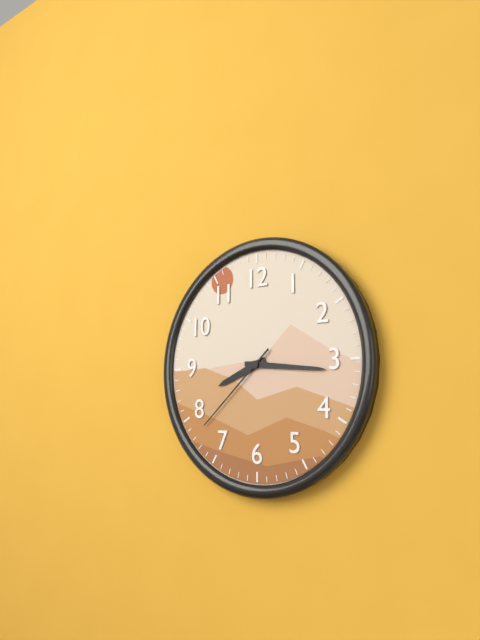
{"hour": 8, "minute": 16, "second": 38}
